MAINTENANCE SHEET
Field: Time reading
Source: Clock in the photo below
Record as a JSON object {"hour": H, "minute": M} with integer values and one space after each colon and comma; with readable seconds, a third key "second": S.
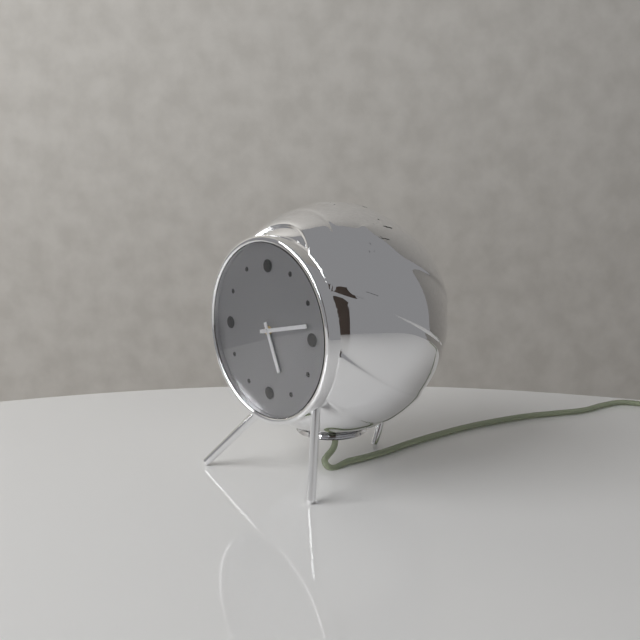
{"hour": 5, "minute": 13}
